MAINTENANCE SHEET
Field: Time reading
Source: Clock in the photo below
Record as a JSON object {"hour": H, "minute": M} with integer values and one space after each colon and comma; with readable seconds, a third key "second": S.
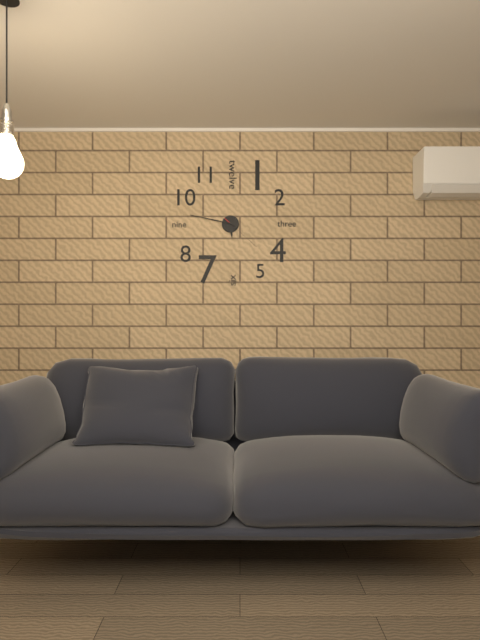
{"hour": 5, "minute": 47}
